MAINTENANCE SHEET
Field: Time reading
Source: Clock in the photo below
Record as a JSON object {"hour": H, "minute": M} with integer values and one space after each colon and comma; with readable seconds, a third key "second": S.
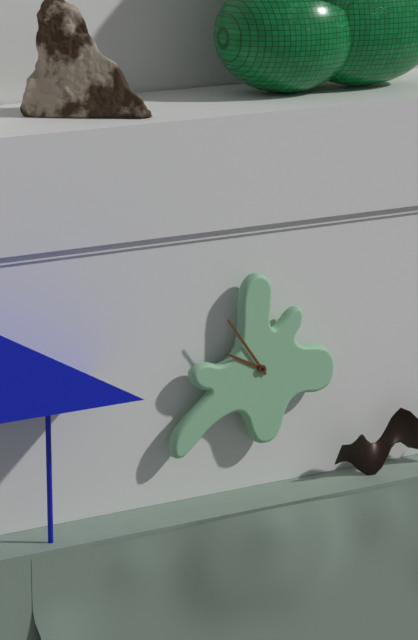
{"hour": 9, "minute": 54}
